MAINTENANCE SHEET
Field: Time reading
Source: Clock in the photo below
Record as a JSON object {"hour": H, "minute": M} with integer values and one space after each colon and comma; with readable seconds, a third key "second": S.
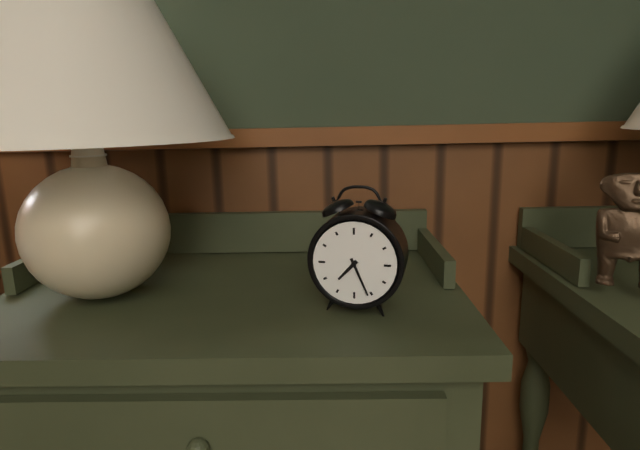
{"hour": 7, "minute": 26}
